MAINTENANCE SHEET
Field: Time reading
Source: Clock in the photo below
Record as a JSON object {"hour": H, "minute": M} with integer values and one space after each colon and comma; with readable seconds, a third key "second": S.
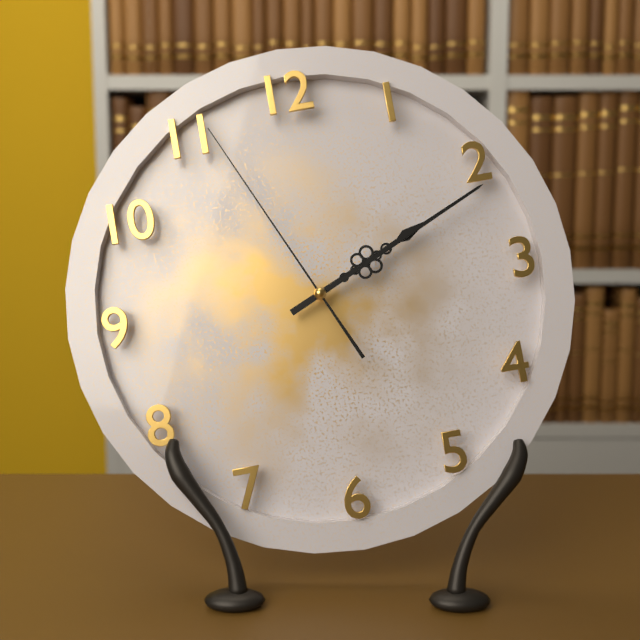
{"hour": 2, "minute": 11, "second": 56}
